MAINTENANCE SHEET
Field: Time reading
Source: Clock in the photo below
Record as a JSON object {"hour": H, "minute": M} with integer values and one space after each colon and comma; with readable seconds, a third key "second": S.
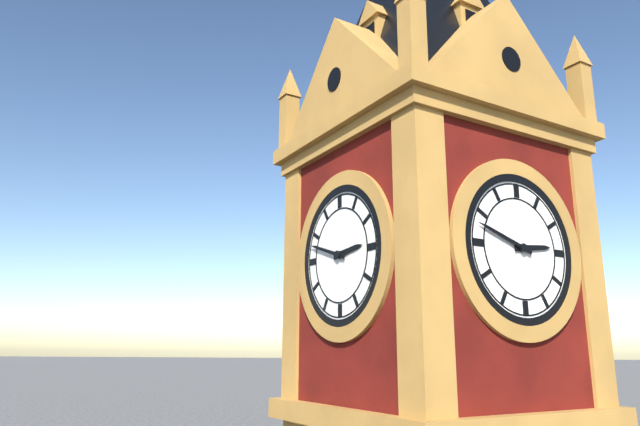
{"hour": 2, "minute": 48}
